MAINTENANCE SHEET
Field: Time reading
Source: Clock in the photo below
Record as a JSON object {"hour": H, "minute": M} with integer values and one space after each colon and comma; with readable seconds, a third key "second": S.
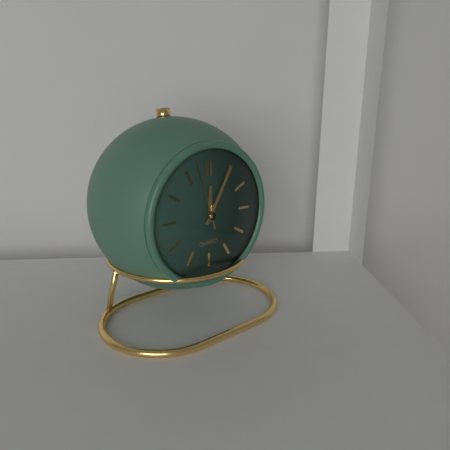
{"hour": 12, "minute": 5, "second": 57}
